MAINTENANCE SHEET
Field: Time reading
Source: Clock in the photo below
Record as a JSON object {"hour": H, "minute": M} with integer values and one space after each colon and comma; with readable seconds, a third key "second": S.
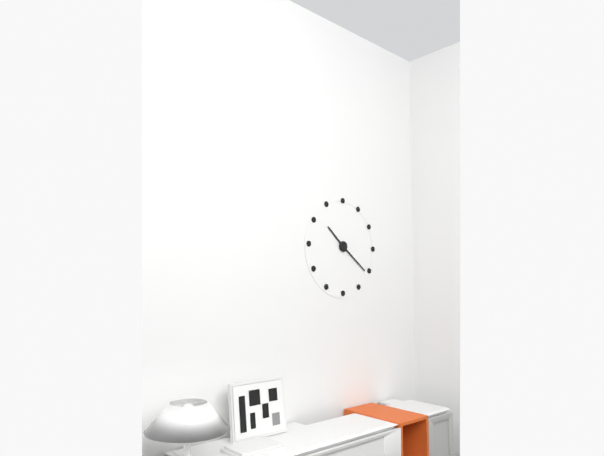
{"hour": 10, "minute": 21}
